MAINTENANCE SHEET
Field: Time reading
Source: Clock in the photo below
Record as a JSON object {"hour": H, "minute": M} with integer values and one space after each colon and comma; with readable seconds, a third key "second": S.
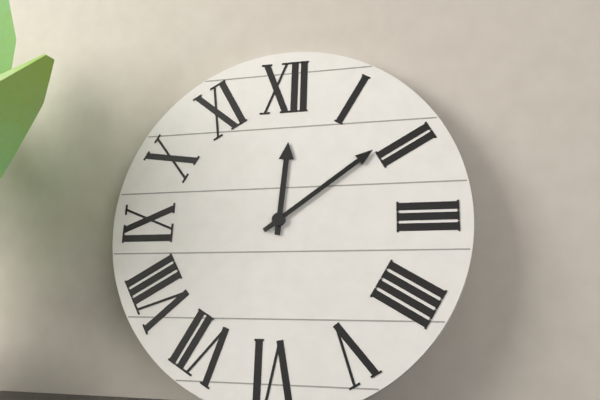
{"hour": 12, "minute": 9}
